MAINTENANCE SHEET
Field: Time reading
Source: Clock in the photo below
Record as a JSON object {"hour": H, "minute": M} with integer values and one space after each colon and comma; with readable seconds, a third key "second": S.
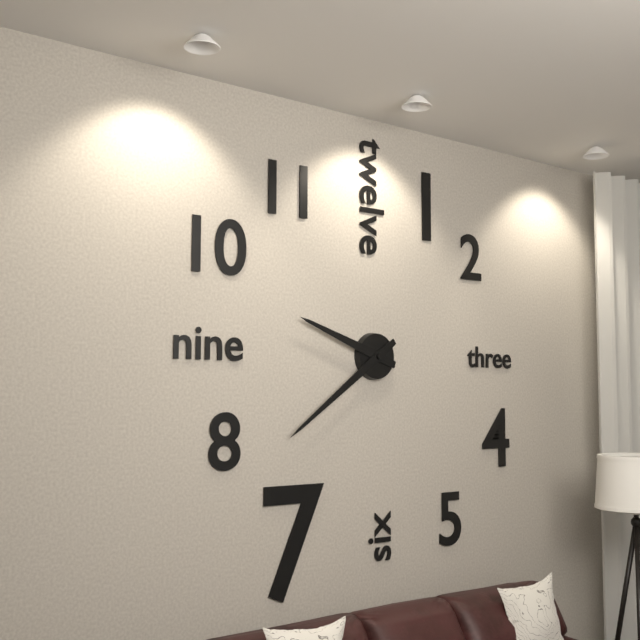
{"hour": 9, "minute": 39}
